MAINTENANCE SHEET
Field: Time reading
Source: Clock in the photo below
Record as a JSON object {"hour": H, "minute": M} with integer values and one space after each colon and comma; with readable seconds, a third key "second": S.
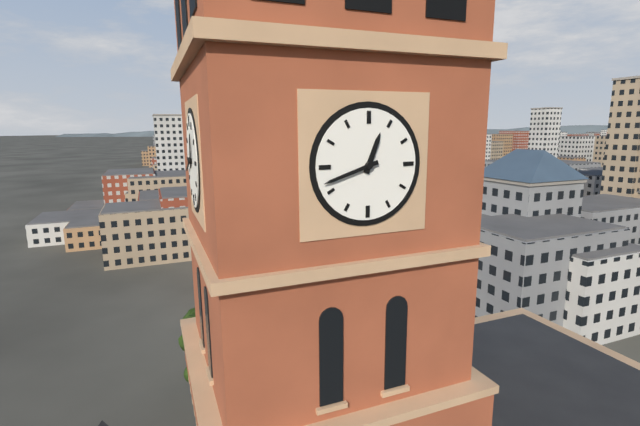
{"hour": 12, "minute": 42}
